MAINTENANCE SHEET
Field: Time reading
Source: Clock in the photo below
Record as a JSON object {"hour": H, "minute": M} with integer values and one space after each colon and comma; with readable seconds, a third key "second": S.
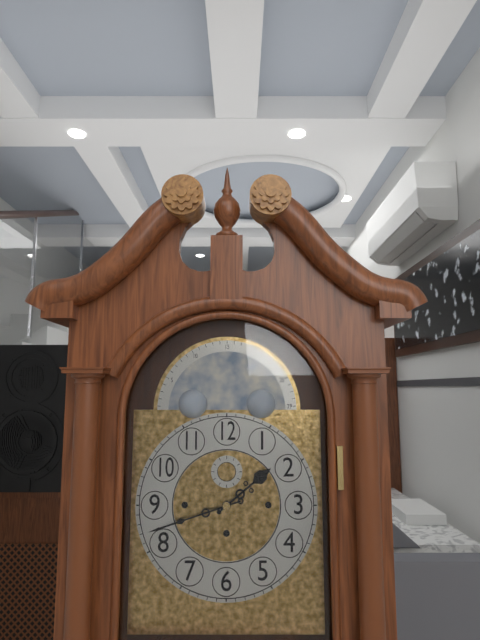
{"hour": 1, "minute": 42}
